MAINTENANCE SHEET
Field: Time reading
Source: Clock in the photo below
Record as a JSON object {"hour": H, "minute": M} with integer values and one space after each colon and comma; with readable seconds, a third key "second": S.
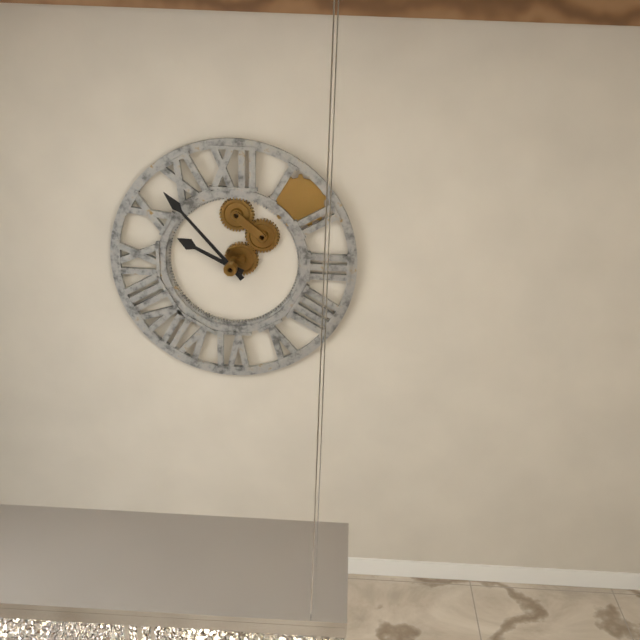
{"hour": 9, "minute": 53}
